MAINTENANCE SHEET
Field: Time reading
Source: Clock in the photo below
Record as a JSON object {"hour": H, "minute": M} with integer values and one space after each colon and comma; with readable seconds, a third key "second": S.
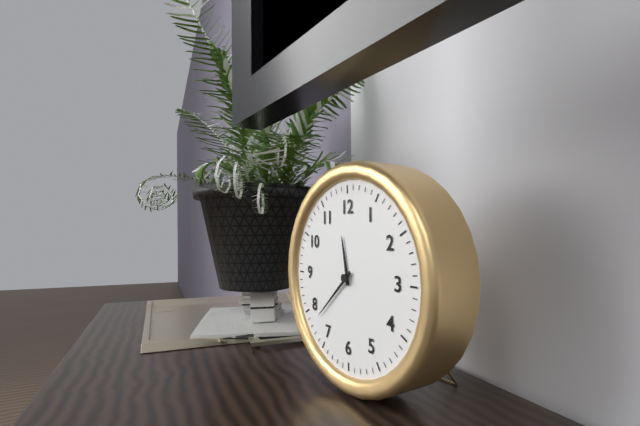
{"hour": 11, "minute": 38}
